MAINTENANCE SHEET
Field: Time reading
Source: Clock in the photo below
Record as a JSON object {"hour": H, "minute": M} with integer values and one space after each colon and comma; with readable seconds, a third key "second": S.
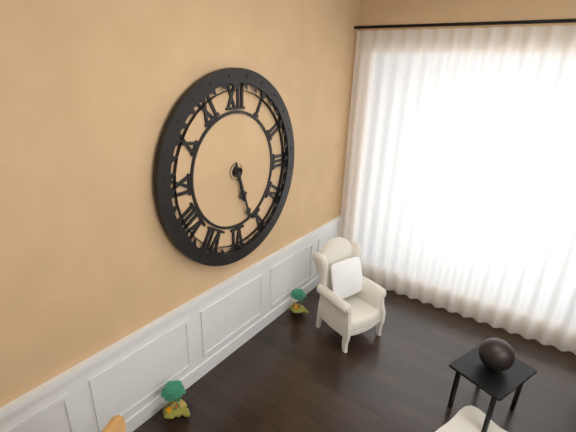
{"hour": 5, "minute": 27}
